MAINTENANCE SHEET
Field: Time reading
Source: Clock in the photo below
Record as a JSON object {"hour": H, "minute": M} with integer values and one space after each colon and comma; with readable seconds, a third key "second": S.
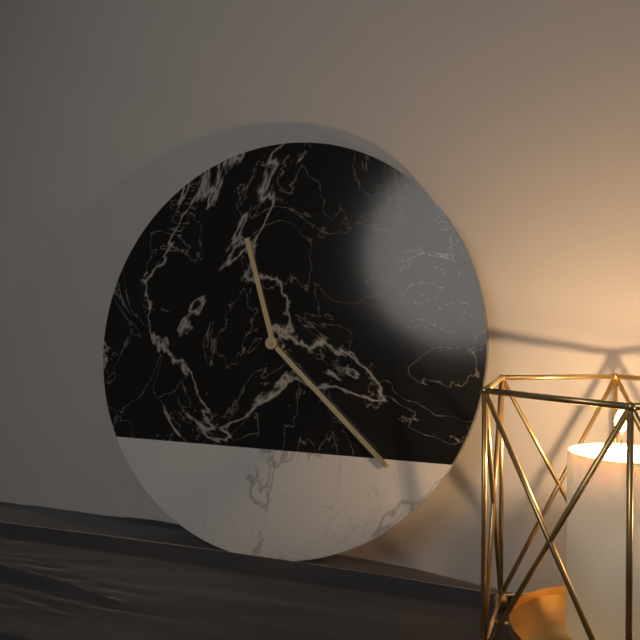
{"hour": 11, "minute": 22}
